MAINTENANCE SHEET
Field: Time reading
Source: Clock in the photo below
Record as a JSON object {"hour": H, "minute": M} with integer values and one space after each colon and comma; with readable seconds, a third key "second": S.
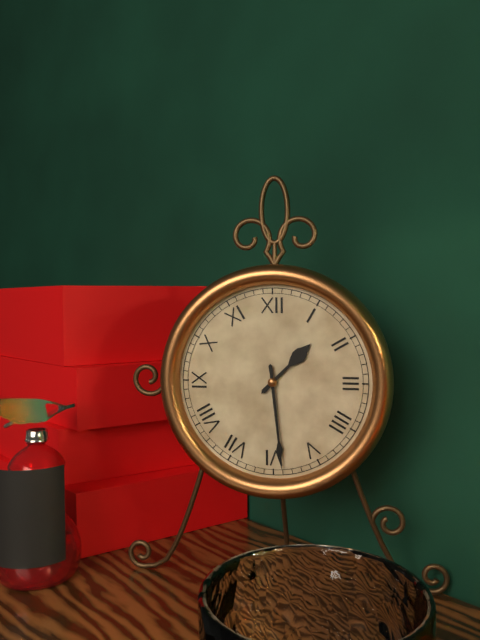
{"hour": 1, "minute": 29}
